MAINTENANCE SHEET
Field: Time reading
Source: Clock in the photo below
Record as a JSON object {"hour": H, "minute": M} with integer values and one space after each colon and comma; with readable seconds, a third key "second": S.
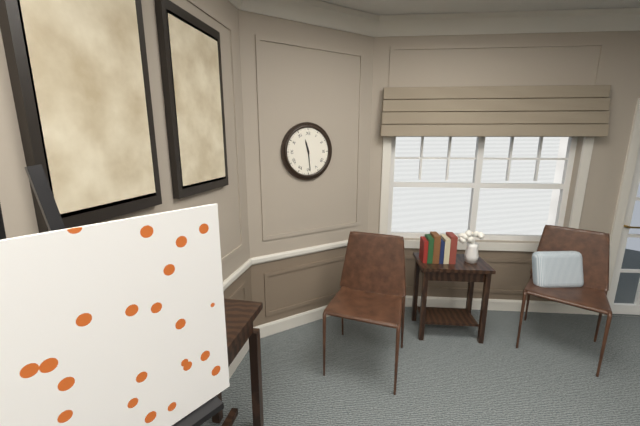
{"hour": 11, "minute": 29}
